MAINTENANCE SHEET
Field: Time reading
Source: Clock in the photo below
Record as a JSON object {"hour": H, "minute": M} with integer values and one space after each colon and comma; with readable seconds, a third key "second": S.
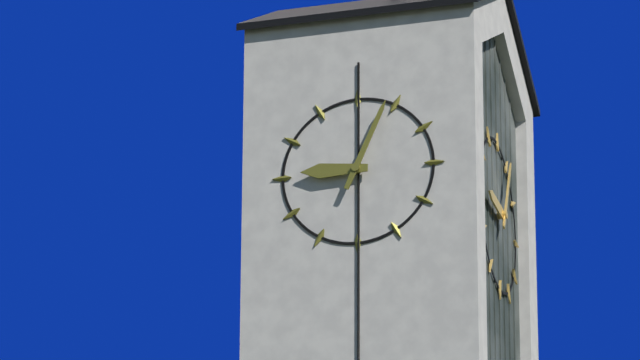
{"hour": 9, "minute": 4}
